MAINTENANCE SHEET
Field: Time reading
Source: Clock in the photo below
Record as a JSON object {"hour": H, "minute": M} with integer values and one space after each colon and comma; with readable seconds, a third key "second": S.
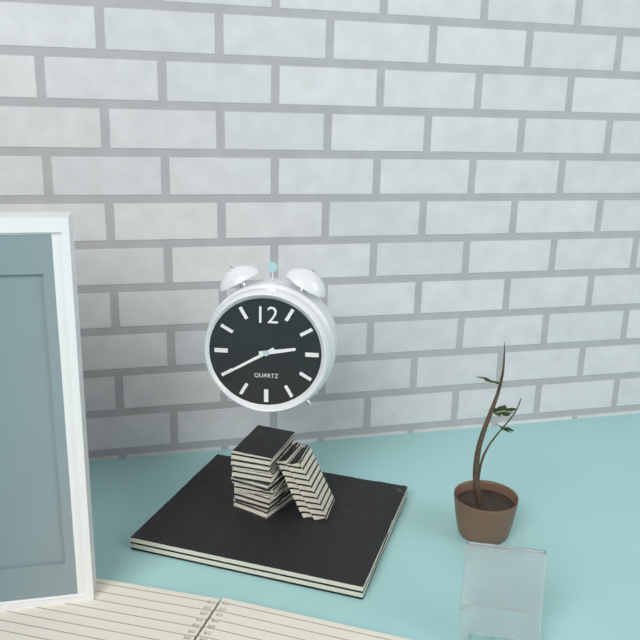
{"hour": 2, "minute": 40}
